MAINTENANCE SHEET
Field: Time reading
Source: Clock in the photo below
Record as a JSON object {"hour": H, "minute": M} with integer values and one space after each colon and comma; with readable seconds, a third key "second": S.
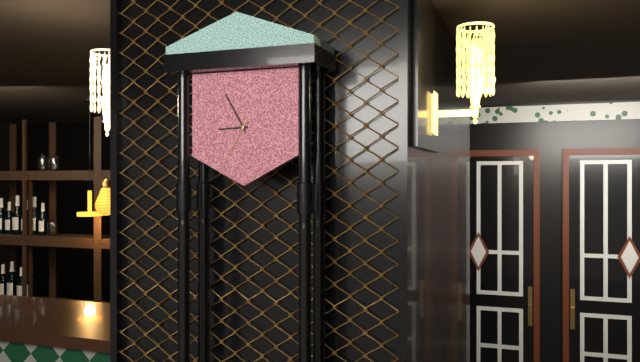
{"hour": 8, "minute": 55, "second": 35}
